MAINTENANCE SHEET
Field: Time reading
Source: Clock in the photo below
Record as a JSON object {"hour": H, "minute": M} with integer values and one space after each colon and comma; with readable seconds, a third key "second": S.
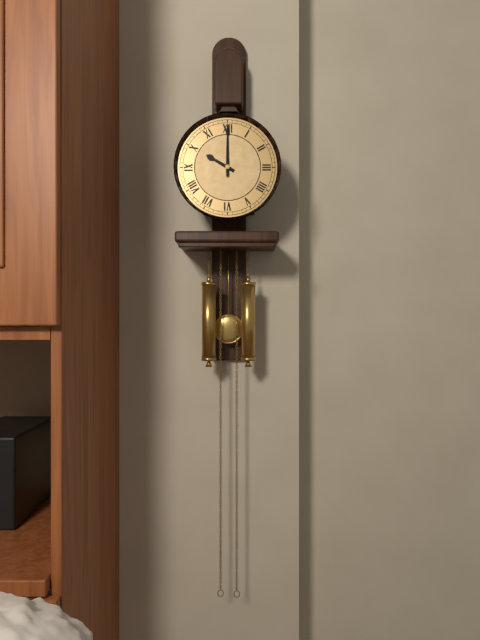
{"hour": 10, "minute": 0}
